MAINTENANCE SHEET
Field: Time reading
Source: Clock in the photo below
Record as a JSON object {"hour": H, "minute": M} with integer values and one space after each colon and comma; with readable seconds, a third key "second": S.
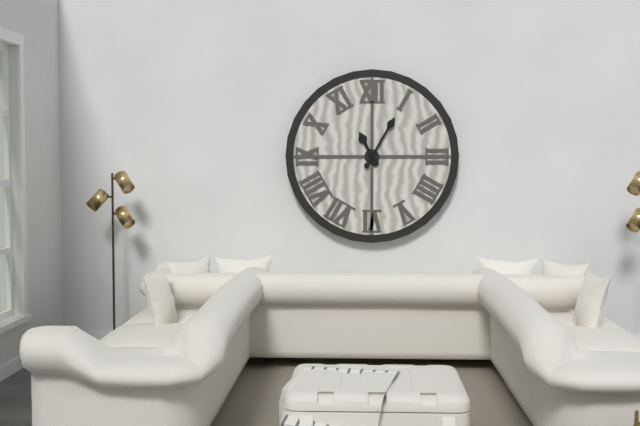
{"hour": 11, "minute": 5}
